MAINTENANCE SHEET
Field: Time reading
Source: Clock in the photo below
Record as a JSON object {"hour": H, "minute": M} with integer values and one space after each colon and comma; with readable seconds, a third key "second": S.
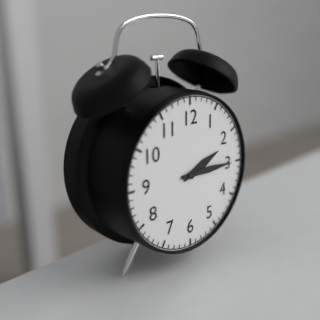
{"hour": 2, "minute": 15}
